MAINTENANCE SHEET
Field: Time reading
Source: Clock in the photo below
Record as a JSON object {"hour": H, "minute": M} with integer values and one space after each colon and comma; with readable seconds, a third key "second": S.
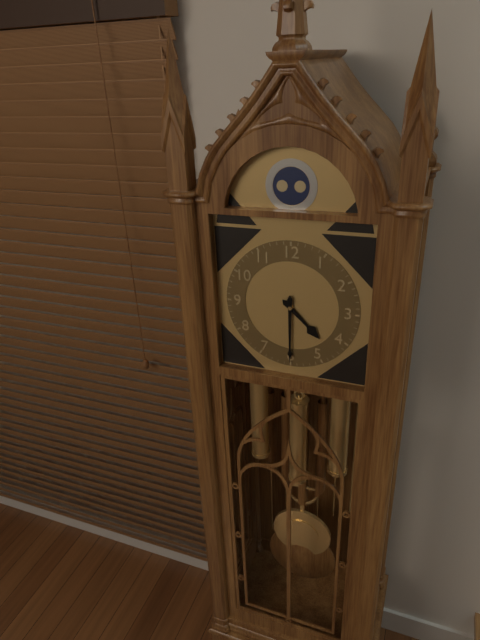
{"hour": 4, "minute": 30}
